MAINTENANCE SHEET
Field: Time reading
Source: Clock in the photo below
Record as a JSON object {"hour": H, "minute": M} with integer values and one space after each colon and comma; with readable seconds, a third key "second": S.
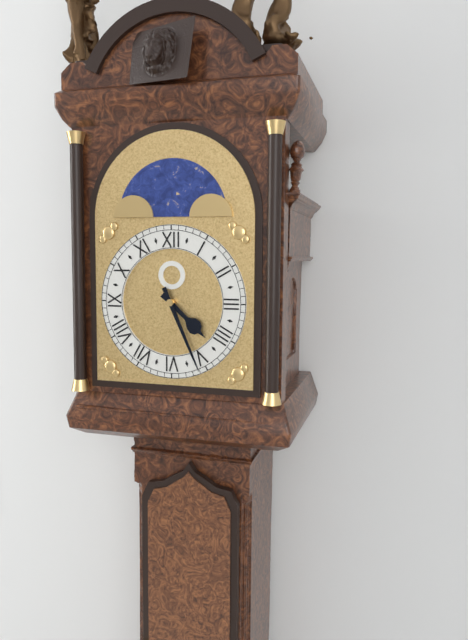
{"hour": 4, "minute": 26}
